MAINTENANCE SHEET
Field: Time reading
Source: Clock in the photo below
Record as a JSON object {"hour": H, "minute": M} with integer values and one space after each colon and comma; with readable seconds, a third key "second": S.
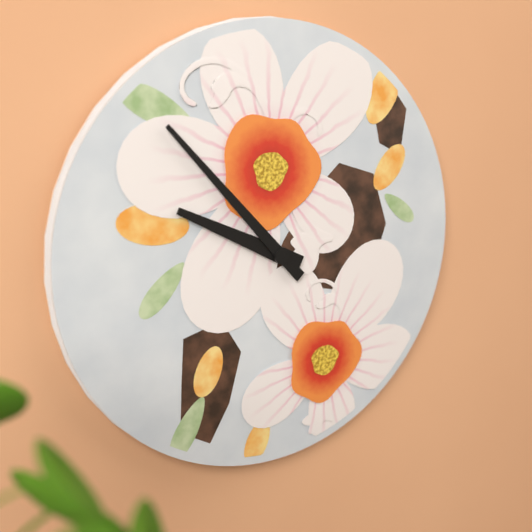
{"hour": 9, "minute": 53}
